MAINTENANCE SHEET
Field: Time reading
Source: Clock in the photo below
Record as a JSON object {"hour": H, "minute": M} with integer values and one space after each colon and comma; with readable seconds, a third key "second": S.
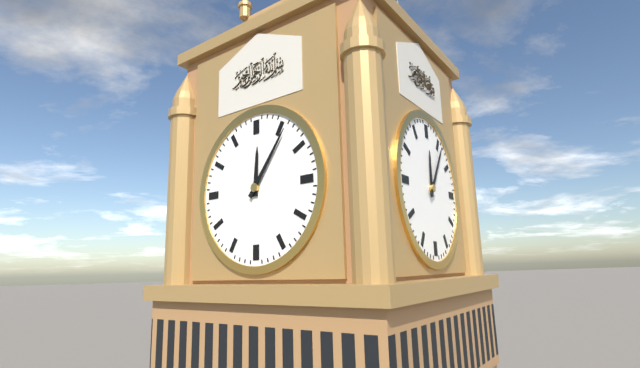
{"hour": 12, "minute": 6}
